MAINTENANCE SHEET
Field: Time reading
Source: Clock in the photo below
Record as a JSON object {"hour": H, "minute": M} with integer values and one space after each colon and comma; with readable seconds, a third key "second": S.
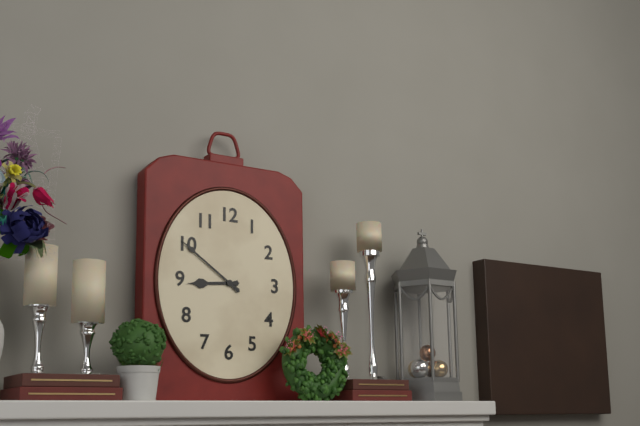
{"hour": 8, "minute": 51}
